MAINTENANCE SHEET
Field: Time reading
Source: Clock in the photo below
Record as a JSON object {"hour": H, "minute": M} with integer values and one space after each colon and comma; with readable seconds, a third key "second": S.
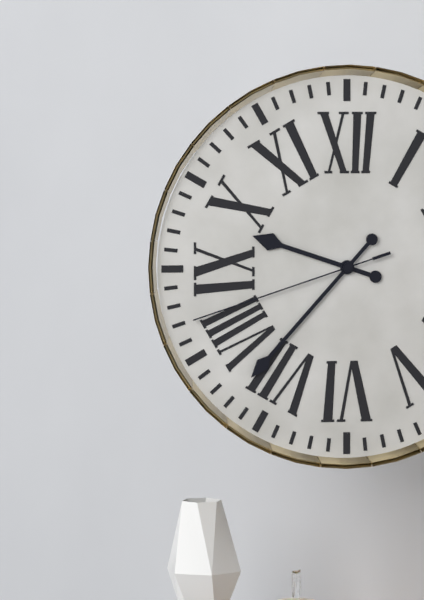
{"hour": 9, "minute": 37, "second": 42}
